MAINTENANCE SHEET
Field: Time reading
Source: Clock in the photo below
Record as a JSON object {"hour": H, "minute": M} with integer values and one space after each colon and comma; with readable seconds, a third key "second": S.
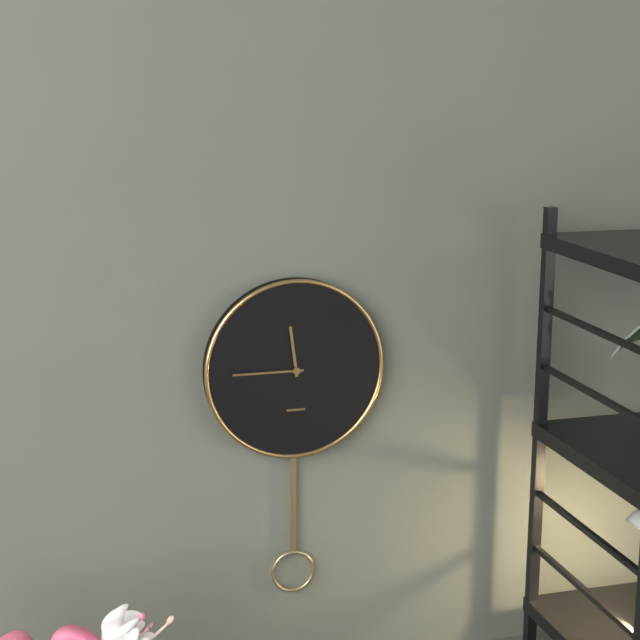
{"hour": 11, "minute": 45}
